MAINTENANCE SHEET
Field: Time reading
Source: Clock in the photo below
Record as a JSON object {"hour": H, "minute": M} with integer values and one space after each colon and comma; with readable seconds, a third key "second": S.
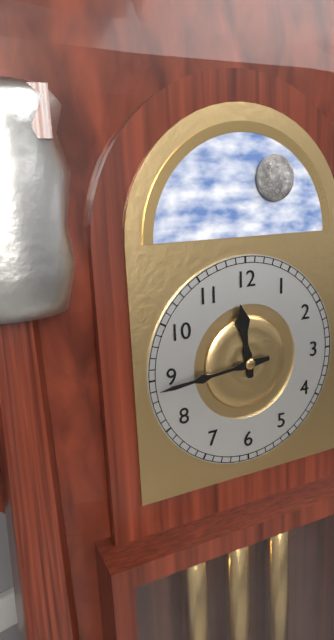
{"hour": 11, "minute": 44}
